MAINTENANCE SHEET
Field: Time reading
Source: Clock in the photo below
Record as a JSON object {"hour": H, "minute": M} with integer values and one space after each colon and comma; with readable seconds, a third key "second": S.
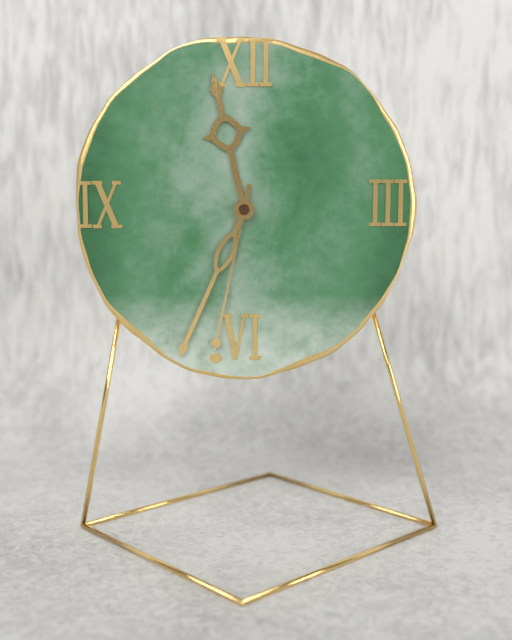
{"hour": 11, "minute": 34, "second": 32}
